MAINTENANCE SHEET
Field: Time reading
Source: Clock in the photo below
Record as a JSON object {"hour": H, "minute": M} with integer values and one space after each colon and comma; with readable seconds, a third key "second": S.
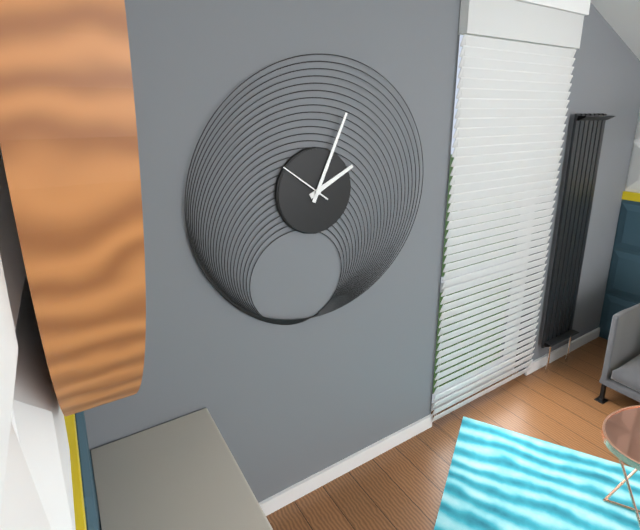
{"hour": 2, "minute": 4, "second": 51}
